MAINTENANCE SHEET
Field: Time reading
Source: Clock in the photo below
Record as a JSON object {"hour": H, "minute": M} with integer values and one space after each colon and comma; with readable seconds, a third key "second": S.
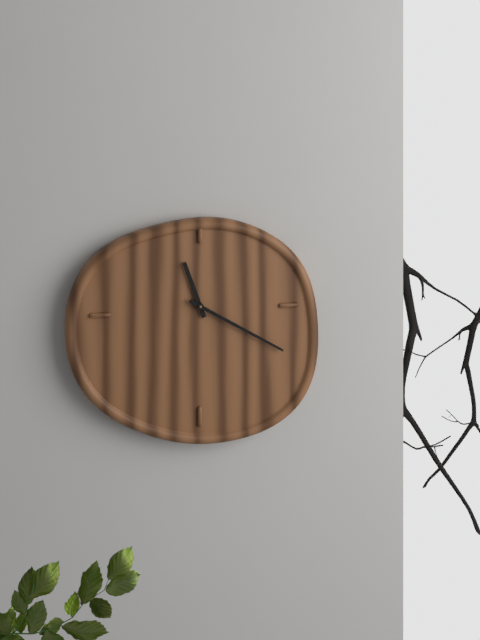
{"hour": 11, "minute": 20}
